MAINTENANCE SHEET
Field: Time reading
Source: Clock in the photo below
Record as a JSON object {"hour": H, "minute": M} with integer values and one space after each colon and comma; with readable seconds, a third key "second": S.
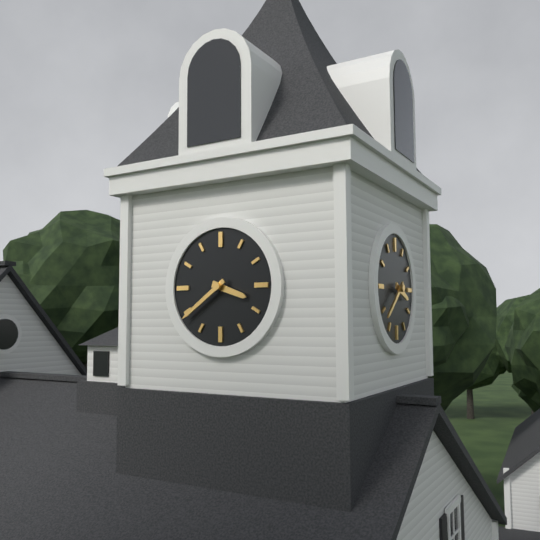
{"hour": 3, "minute": 39}
